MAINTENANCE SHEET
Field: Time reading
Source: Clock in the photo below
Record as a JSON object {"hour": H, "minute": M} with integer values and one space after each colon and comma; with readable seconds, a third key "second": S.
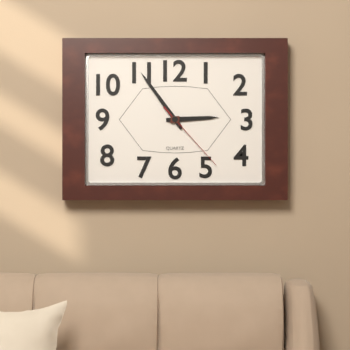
{"hour": 2, "minute": 54, "second": 23}
